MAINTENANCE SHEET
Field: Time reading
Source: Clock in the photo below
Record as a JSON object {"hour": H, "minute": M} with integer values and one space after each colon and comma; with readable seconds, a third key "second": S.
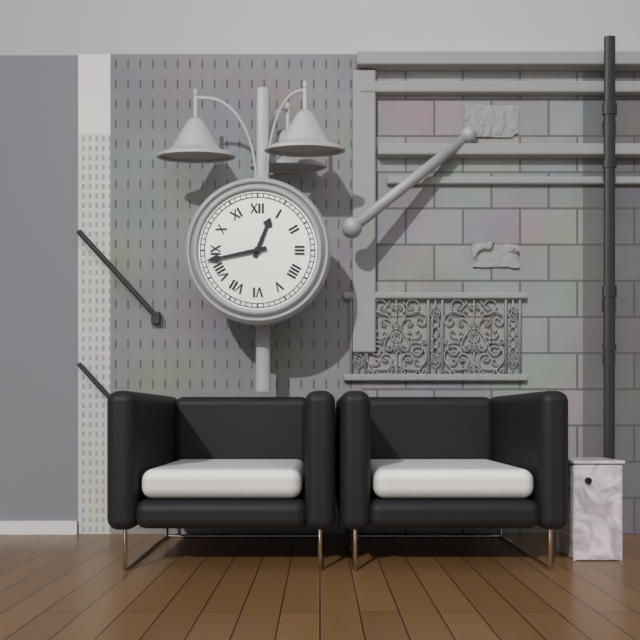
{"hour": 12, "minute": 43}
